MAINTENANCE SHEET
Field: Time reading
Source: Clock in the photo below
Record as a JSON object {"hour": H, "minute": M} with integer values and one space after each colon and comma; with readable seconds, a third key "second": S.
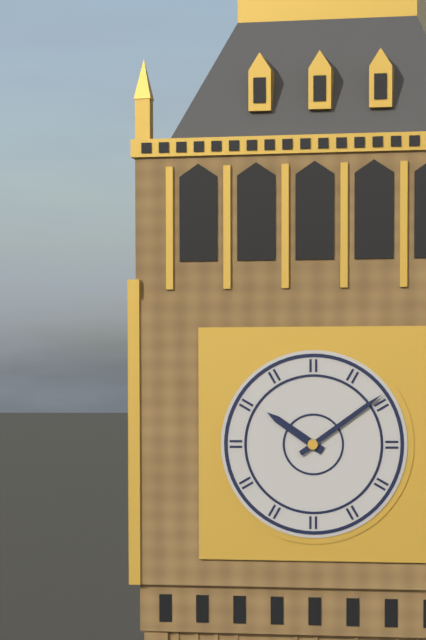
{"hour": 10, "minute": 9}
